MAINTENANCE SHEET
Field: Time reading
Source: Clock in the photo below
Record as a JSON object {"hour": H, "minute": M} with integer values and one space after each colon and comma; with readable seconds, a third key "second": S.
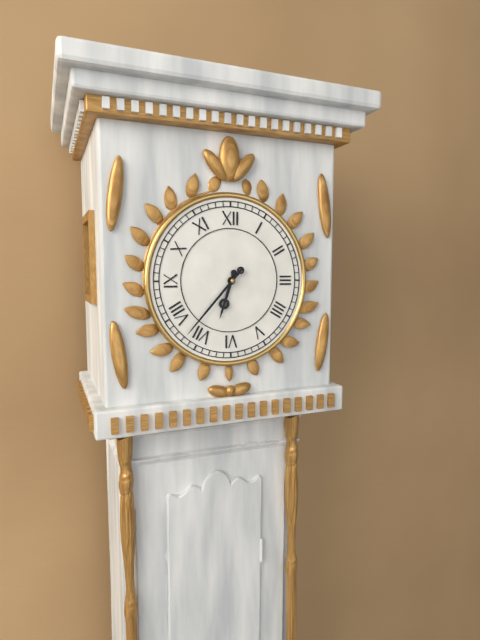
{"hour": 6, "minute": 37}
